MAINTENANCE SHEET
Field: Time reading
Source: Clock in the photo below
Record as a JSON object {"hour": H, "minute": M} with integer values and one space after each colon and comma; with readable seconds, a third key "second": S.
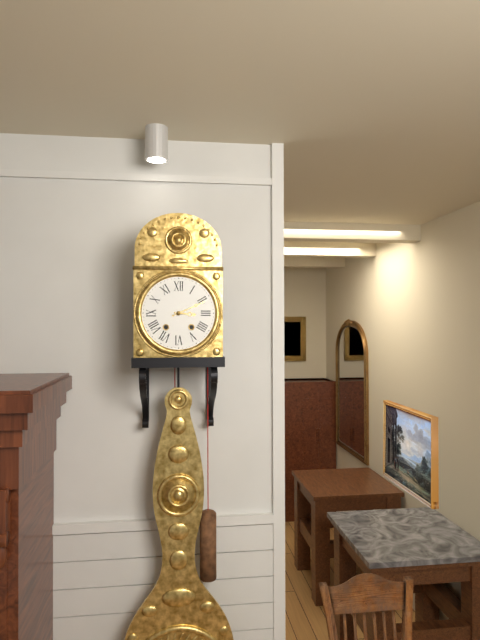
{"hour": 3, "minute": 11}
